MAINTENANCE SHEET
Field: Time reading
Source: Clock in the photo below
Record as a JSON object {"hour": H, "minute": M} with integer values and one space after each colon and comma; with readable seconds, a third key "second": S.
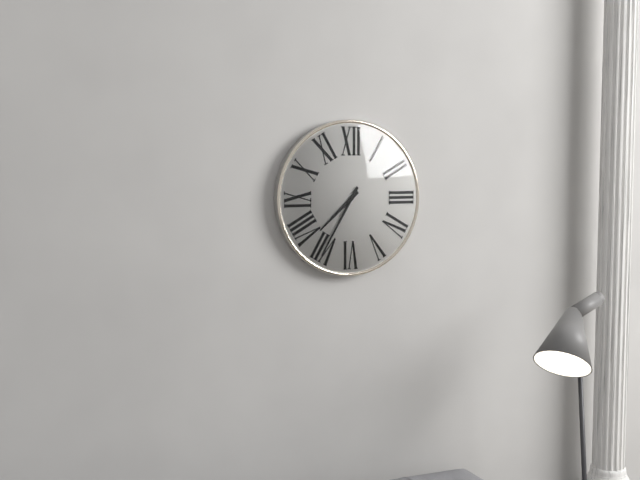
{"hour": 7, "minute": 35}
